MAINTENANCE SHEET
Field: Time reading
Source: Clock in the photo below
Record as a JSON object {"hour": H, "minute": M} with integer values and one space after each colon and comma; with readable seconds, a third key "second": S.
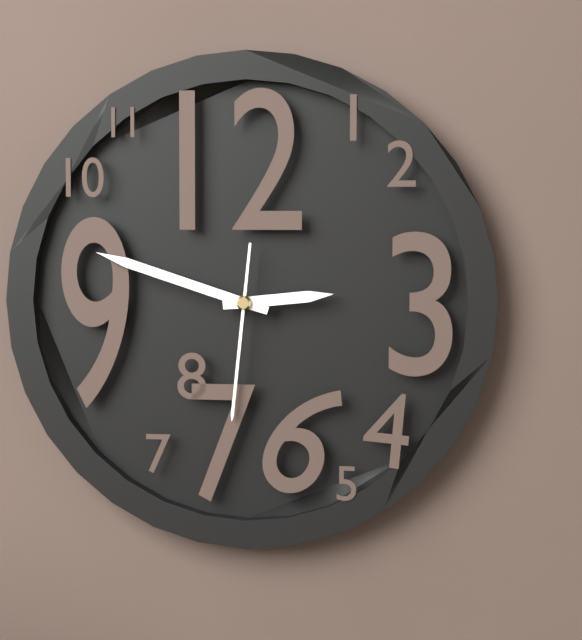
{"hour": 2, "minute": 48, "second": 31}
